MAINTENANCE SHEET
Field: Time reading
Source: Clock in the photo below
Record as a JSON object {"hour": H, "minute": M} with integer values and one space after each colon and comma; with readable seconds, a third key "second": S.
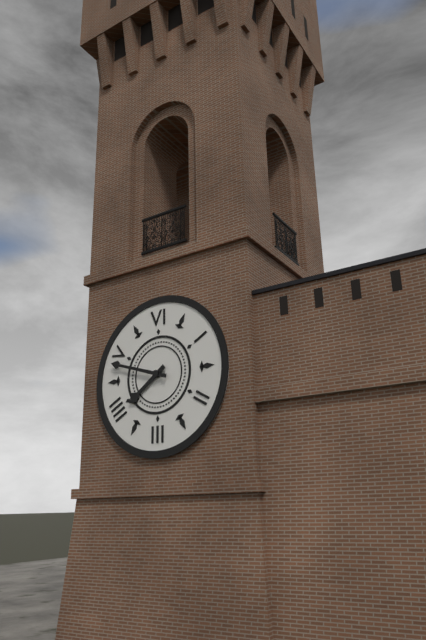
{"hour": 7, "minute": 48}
